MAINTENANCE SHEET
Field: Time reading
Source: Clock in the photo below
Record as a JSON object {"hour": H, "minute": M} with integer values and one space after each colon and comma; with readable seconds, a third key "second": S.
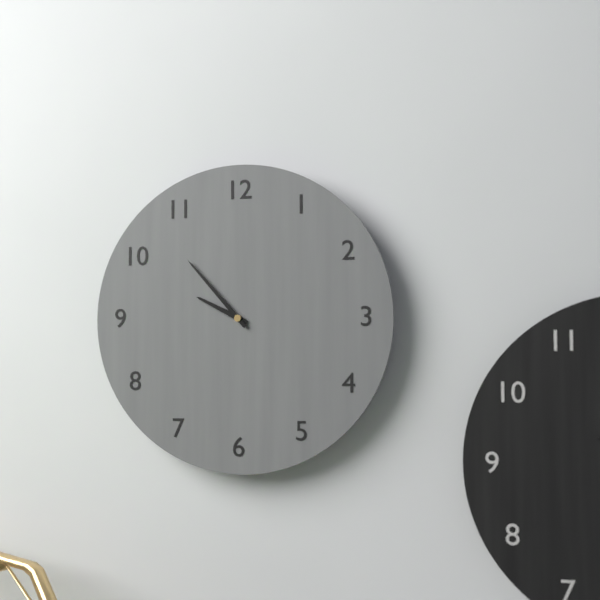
{"hour": 9, "minute": 53}
